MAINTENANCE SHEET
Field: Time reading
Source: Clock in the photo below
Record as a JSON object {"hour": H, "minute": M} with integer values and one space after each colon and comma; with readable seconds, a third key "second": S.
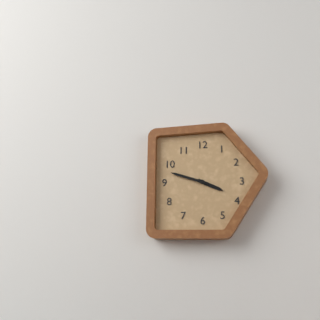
{"hour": 3, "minute": 48}
